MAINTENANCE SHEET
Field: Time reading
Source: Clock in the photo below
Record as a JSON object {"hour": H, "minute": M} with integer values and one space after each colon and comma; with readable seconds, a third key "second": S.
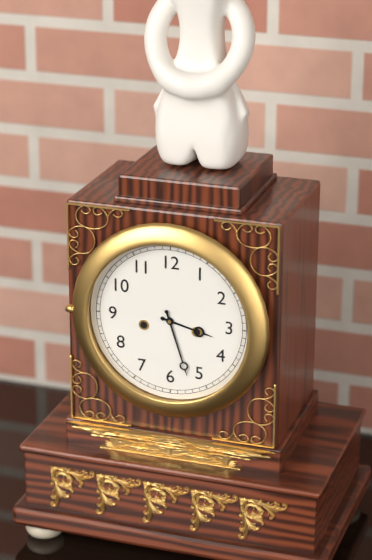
{"hour": 3, "minute": 27}
